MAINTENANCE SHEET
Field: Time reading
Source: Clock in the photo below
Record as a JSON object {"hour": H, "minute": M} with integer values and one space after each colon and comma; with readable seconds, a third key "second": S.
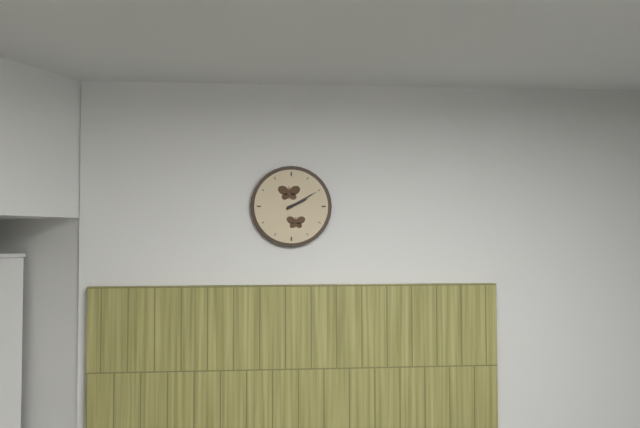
{"hour": 2, "minute": 10}
